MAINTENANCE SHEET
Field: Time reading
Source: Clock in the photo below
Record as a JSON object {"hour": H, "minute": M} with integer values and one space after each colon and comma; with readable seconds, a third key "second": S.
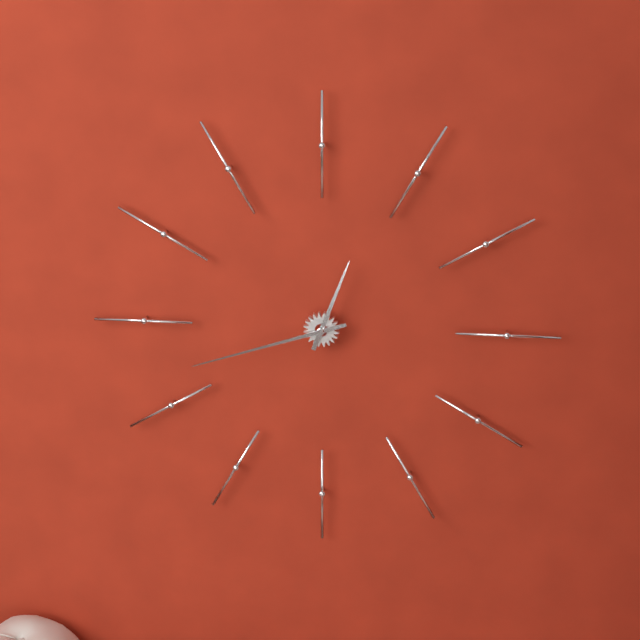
{"hour": 12, "minute": 42}
